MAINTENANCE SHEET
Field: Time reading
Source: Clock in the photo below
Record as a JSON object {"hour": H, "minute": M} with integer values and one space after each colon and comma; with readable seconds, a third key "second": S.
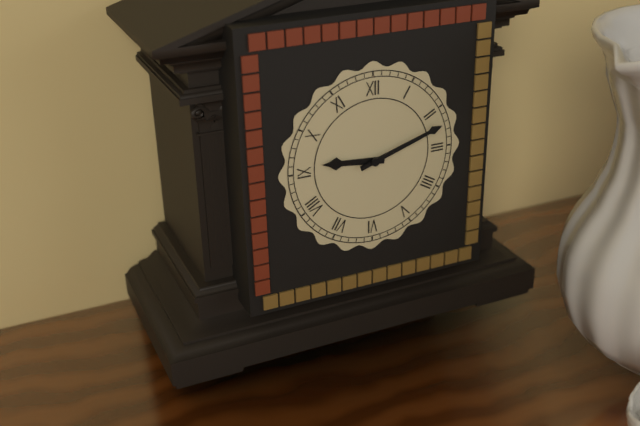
{"hour": 9, "minute": 12}
